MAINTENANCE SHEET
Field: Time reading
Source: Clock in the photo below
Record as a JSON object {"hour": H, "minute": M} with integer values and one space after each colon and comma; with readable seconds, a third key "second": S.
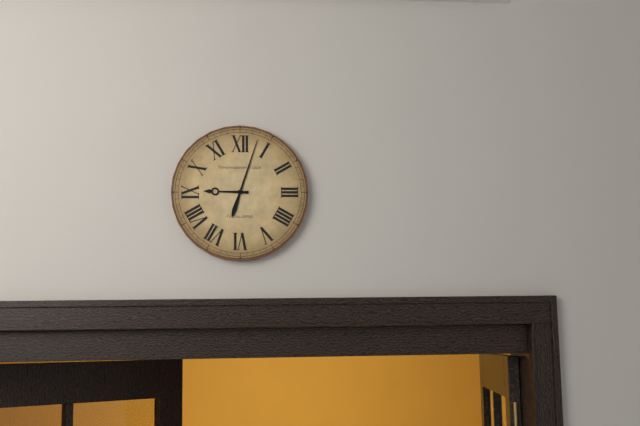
{"hour": 9, "minute": 3}
